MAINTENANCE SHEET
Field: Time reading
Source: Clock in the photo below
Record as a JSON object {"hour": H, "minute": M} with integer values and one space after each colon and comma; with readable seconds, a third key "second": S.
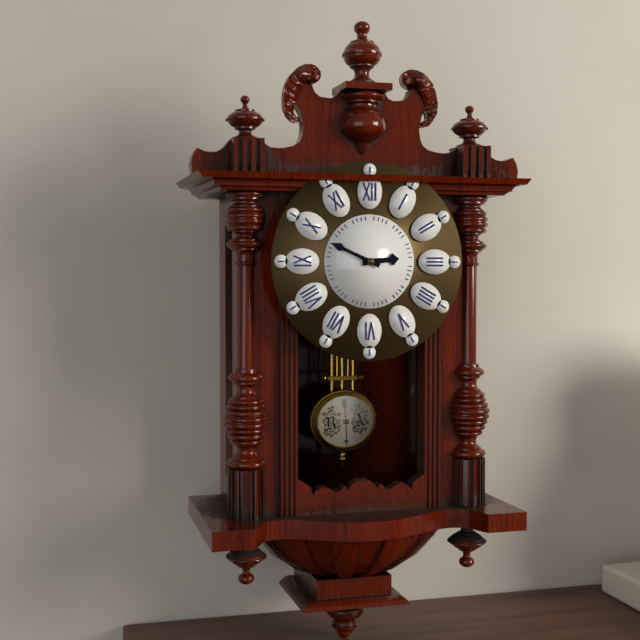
{"hour": 2, "minute": 49}
